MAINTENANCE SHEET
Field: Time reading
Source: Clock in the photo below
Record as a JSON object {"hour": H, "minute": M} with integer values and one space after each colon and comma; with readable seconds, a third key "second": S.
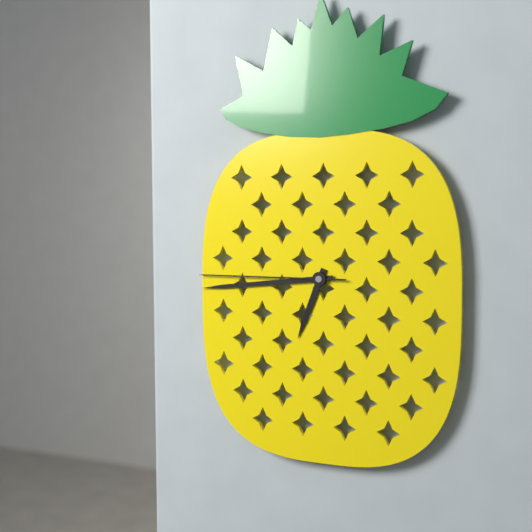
{"hour": 6, "minute": 44, "second": 45}
